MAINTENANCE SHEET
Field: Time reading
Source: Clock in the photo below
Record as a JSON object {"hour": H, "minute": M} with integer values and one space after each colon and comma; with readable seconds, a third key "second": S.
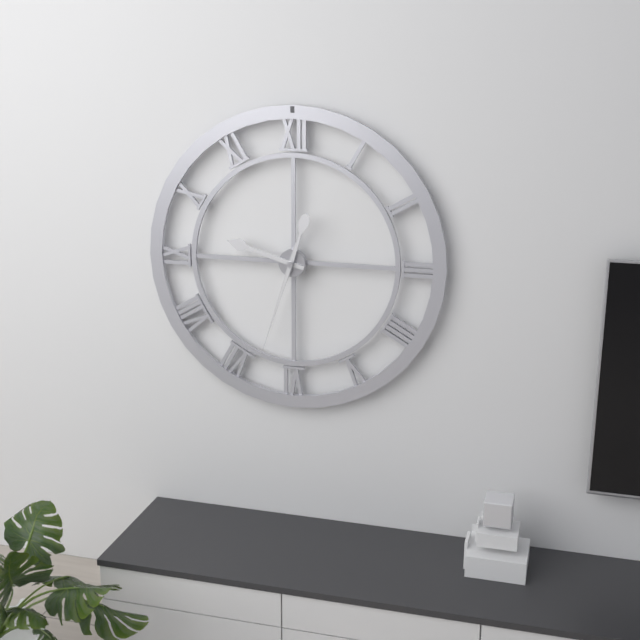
{"hour": 9, "minute": 33}
